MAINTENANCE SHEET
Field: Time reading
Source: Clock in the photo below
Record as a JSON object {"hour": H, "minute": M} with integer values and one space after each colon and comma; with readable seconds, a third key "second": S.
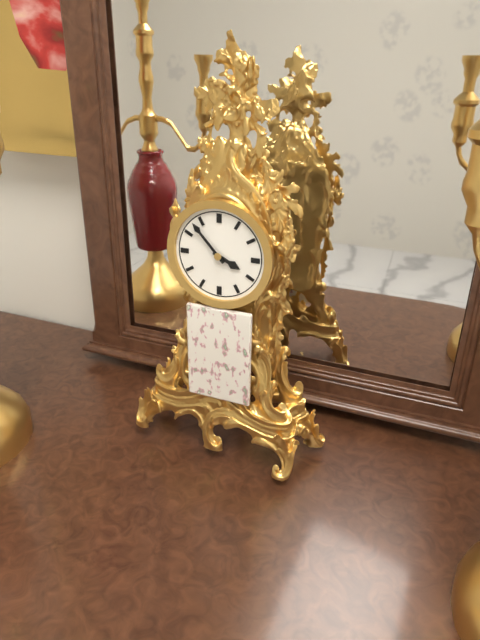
{"hour": 3, "minute": 53}
